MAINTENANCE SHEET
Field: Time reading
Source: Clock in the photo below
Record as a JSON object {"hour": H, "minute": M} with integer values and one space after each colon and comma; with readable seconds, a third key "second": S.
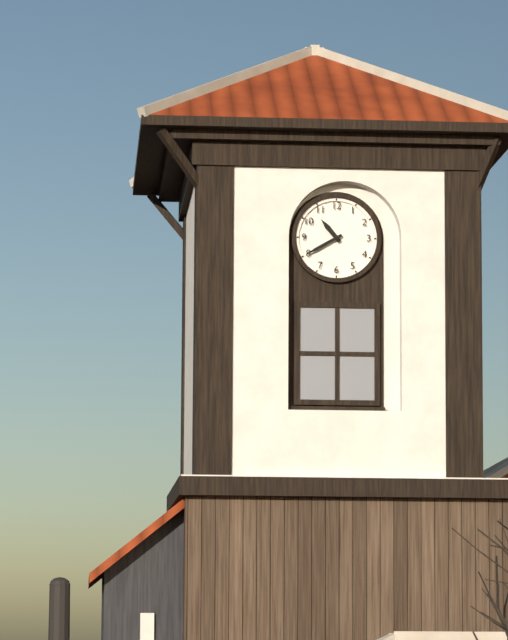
{"hour": 10, "minute": 40}
